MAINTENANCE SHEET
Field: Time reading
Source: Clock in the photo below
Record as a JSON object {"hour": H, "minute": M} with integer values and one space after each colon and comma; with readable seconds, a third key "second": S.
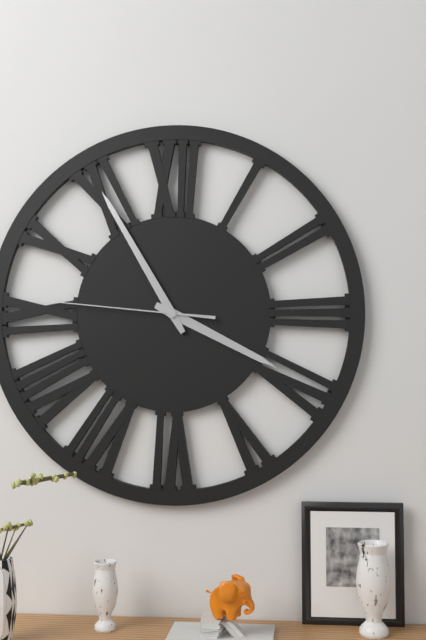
{"hour": 3, "minute": 55, "second": 46}
